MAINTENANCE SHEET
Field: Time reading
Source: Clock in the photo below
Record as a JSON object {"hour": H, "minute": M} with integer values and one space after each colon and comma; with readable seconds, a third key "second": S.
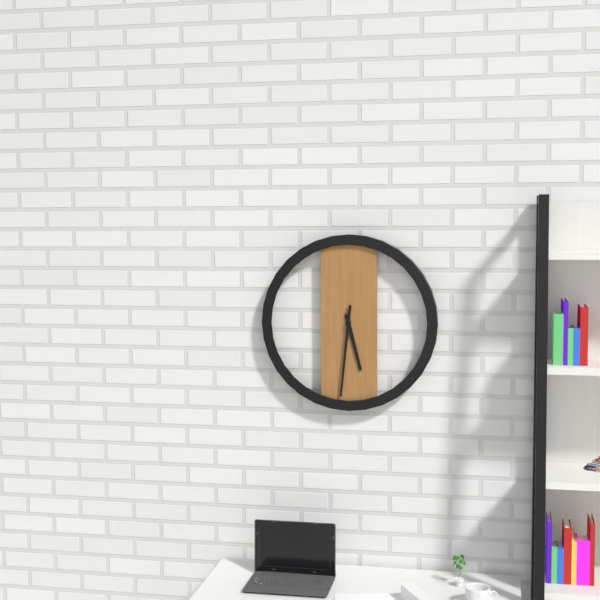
{"hour": 5, "minute": 31}
